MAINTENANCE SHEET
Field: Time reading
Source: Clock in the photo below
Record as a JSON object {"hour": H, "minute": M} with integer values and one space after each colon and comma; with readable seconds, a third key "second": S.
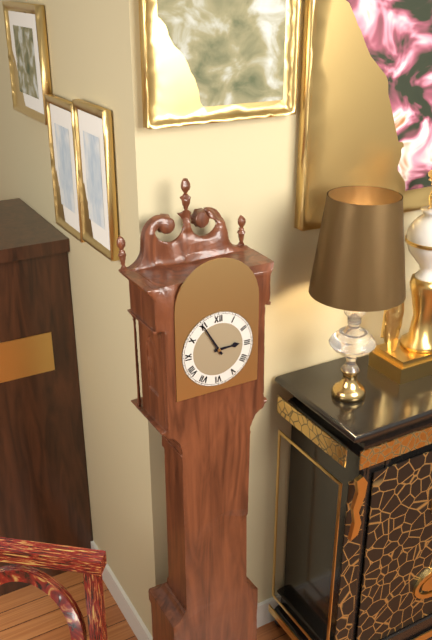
{"hour": 2, "minute": 55}
